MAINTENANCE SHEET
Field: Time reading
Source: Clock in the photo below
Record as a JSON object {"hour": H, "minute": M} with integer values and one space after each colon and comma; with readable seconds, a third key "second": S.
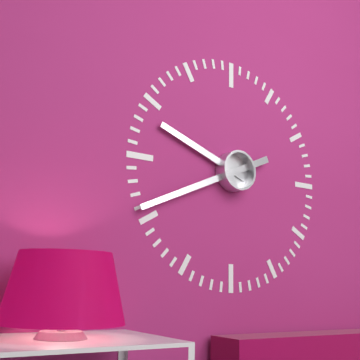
{"hour": 9, "minute": 41}
